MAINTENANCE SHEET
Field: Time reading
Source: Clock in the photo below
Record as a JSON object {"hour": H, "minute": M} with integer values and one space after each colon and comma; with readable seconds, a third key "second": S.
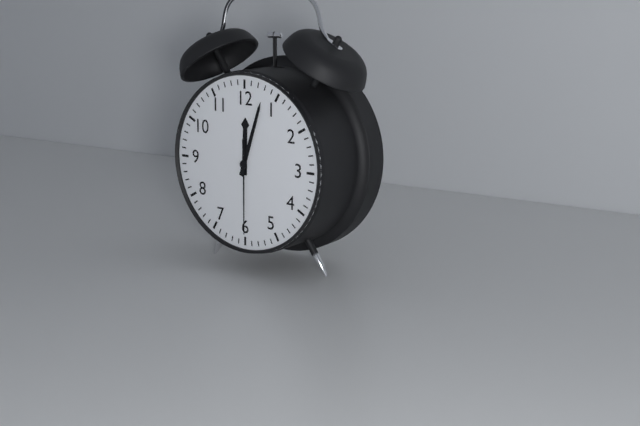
{"hour": 12, "minute": 3, "second": 30}
